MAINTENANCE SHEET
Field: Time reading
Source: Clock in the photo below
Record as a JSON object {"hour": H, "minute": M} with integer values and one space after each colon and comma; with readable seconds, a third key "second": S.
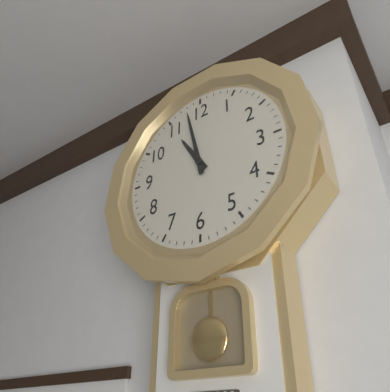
{"hour": 10, "minute": 58}
